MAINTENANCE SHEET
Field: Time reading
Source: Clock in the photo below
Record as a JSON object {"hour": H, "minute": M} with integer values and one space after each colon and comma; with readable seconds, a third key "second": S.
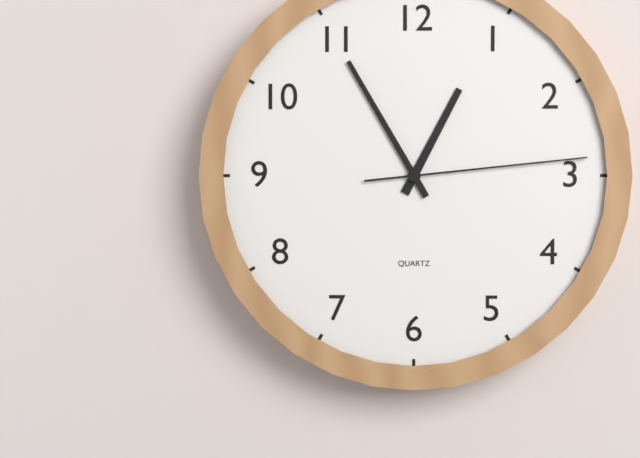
{"hour": 12, "minute": 55, "second": 14}
